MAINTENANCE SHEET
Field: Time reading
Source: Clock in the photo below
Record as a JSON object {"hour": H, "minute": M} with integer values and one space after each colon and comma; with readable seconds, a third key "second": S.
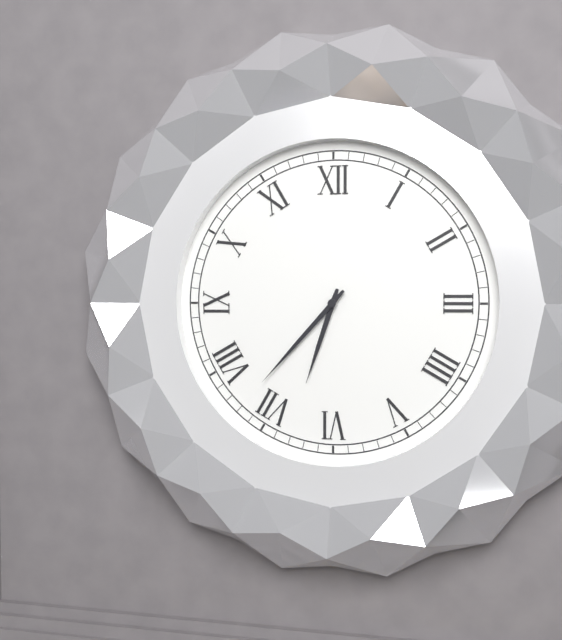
{"hour": 6, "minute": 37}
